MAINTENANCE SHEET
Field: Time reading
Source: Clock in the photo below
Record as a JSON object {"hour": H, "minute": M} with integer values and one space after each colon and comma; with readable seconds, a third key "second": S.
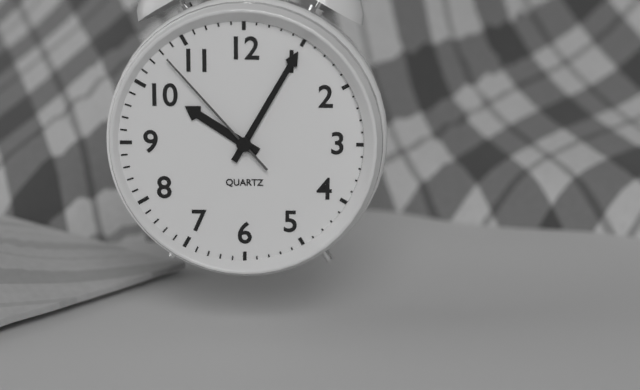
{"hour": 10, "minute": 5, "second": 53}
